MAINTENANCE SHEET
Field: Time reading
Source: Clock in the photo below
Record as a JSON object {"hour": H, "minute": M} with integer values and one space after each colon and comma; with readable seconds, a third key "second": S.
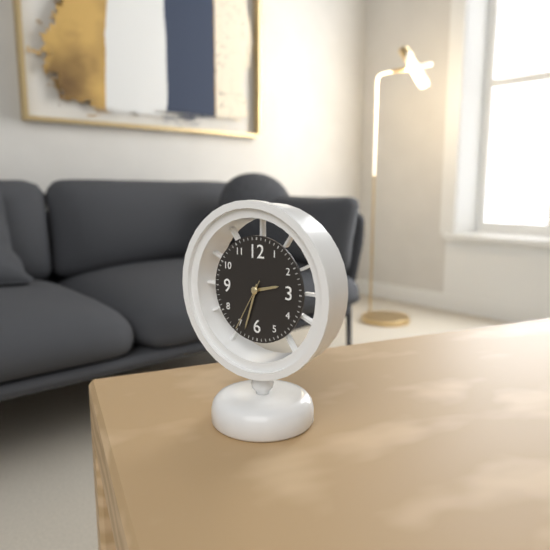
{"hour": 2, "minute": 33, "second": 35}
